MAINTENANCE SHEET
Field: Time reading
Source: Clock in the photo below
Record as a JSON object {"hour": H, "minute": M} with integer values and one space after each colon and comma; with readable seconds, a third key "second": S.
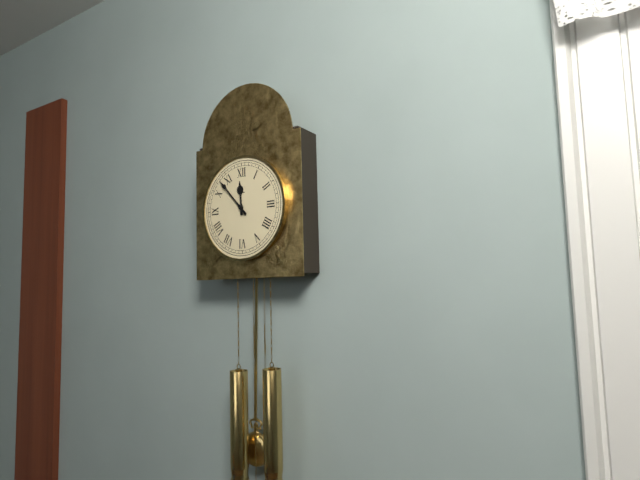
{"hour": 11, "minute": 53}
